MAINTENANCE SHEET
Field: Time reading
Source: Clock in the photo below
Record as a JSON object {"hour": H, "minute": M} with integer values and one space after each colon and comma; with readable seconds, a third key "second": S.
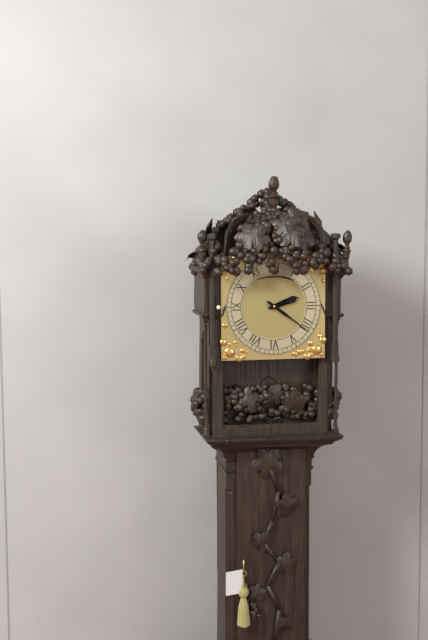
{"hour": 2, "minute": 21}
